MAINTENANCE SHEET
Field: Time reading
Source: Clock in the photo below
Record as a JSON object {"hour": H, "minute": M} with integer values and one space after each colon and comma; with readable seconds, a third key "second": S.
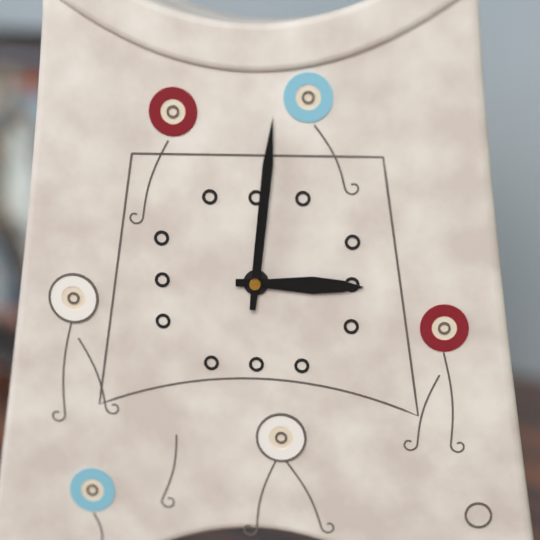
{"hour": 3, "minute": 1}
